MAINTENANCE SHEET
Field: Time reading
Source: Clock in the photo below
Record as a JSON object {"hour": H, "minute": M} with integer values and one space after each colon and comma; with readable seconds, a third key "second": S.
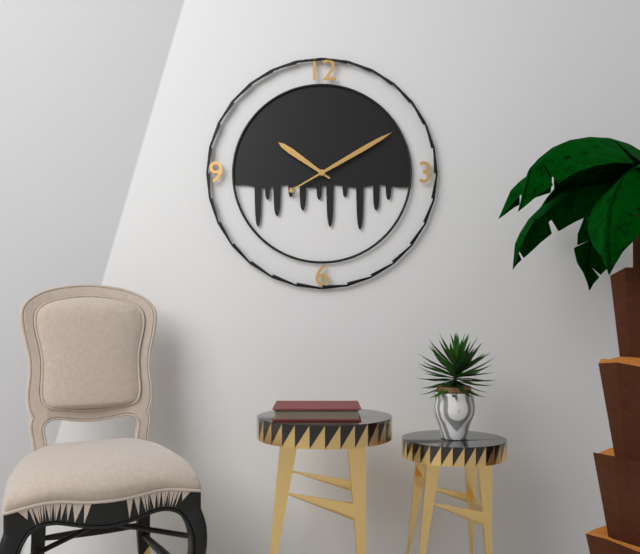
{"hour": 10, "minute": 10}
